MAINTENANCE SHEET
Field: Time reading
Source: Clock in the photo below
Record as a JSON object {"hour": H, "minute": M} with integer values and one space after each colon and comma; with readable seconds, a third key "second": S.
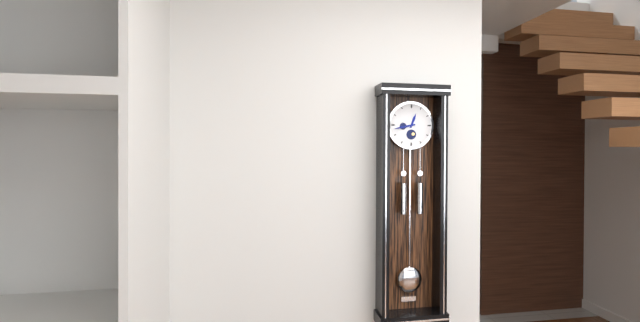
{"hour": 12, "minute": 43}
